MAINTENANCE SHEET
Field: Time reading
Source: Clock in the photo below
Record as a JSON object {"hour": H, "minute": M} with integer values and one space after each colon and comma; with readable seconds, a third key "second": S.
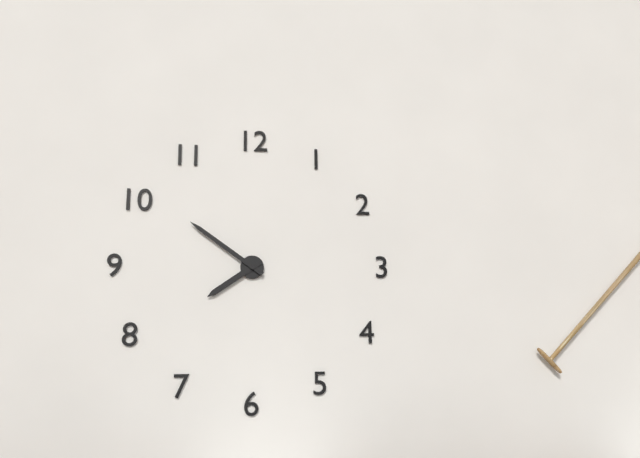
{"hour": 7, "minute": 51}
